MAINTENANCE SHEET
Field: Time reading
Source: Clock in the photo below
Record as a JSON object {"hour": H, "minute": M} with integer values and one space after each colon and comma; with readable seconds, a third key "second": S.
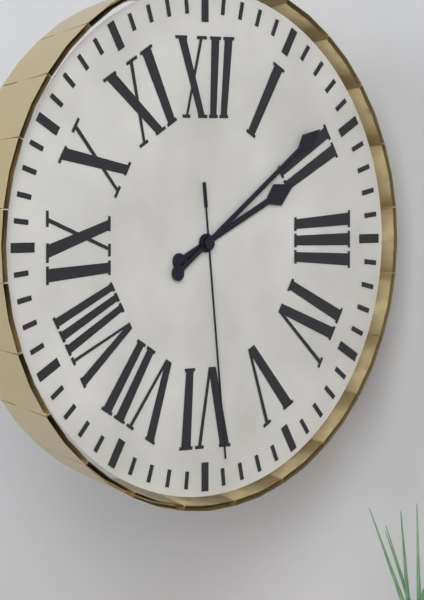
{"hour": 2, "minute": 9, "second": 29}
